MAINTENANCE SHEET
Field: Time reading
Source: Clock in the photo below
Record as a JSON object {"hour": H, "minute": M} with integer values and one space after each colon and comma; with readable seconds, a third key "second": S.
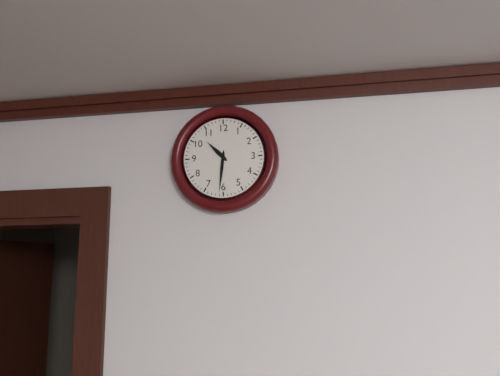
{"hour": 10, "minute": 31}
